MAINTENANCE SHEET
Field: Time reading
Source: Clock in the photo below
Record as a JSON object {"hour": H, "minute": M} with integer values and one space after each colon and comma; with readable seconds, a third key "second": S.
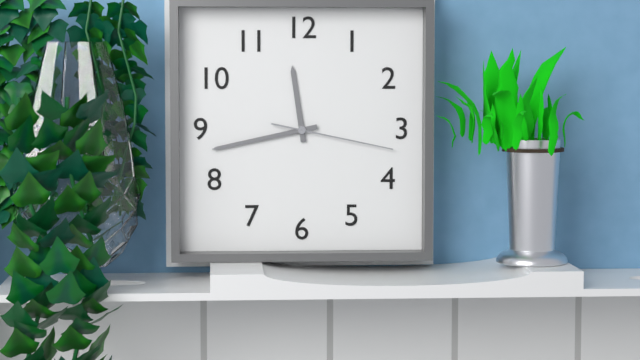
{"hour": 11, "minute": 43, "second": 17}
